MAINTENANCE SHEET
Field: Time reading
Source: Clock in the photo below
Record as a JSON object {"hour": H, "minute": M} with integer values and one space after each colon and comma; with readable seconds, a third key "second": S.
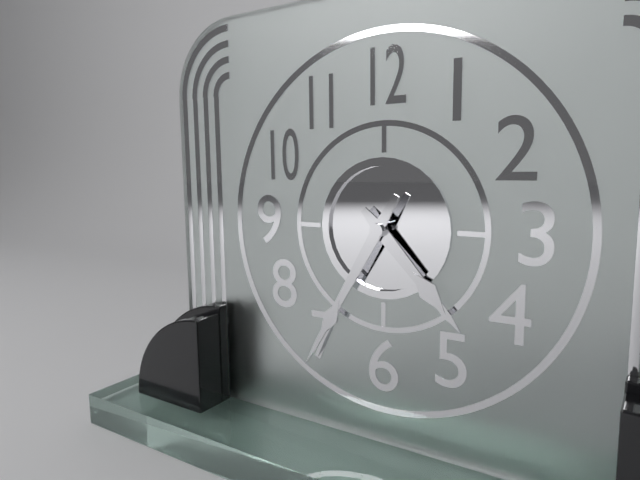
{"hour": 4, "minute": 35}
